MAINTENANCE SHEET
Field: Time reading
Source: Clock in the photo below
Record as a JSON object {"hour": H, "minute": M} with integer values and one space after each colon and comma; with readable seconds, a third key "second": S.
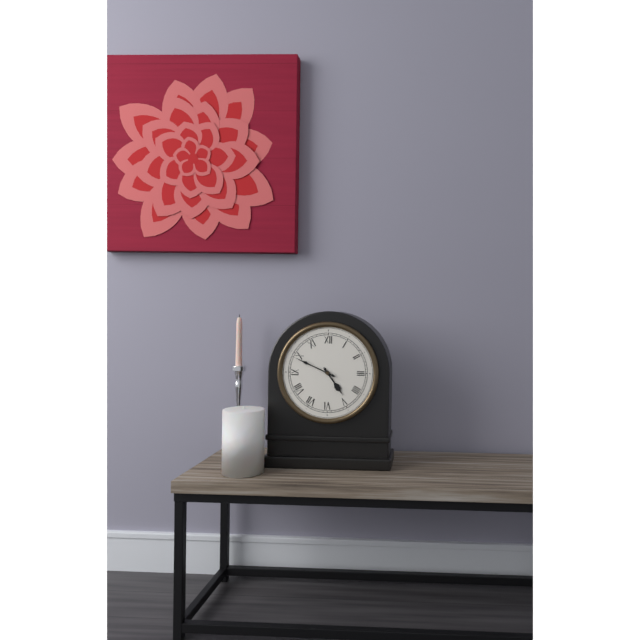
{"hour": 4, "minute": 49}
